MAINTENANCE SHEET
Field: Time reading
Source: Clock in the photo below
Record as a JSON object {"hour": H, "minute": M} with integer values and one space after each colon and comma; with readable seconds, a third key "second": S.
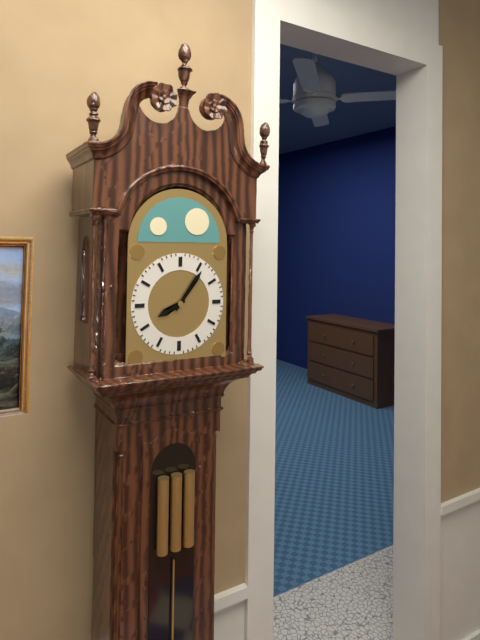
{"hour": 8, "minute": 6}
